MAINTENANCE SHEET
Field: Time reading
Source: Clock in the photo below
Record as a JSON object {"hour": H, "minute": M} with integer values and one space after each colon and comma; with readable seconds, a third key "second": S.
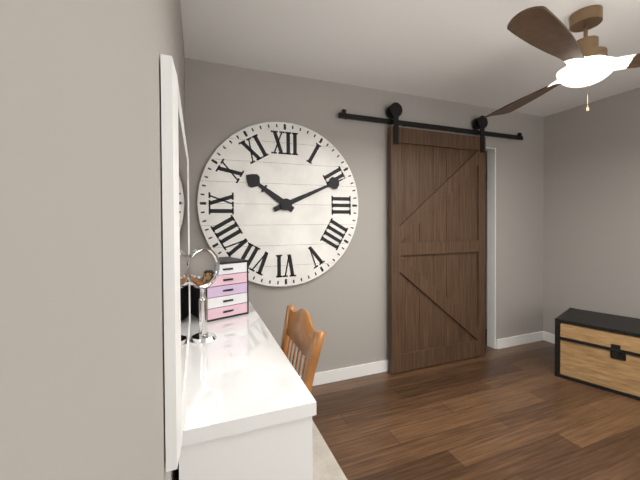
{"hour": 10, "minute": 11}
